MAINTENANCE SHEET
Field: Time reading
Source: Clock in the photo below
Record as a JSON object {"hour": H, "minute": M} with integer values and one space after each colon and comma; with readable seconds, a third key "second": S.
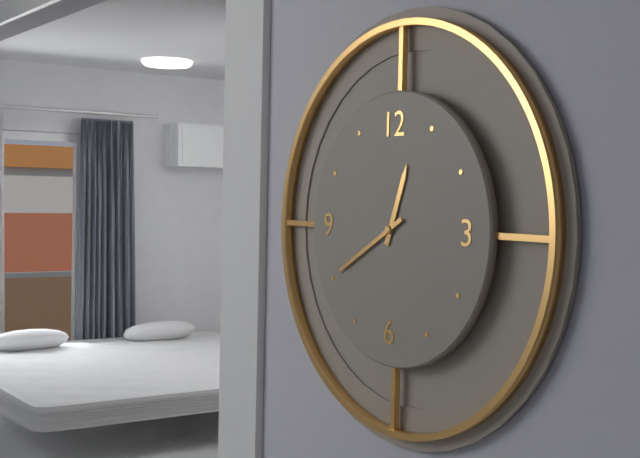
{"hour": 12, "minute": 40}
